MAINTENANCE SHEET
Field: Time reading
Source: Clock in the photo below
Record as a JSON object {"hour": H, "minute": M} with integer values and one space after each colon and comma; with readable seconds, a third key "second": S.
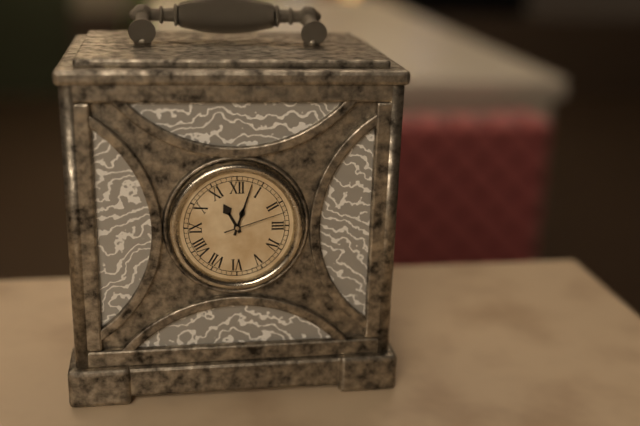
{"hour": 11, "minute": 3, "second": 12}
